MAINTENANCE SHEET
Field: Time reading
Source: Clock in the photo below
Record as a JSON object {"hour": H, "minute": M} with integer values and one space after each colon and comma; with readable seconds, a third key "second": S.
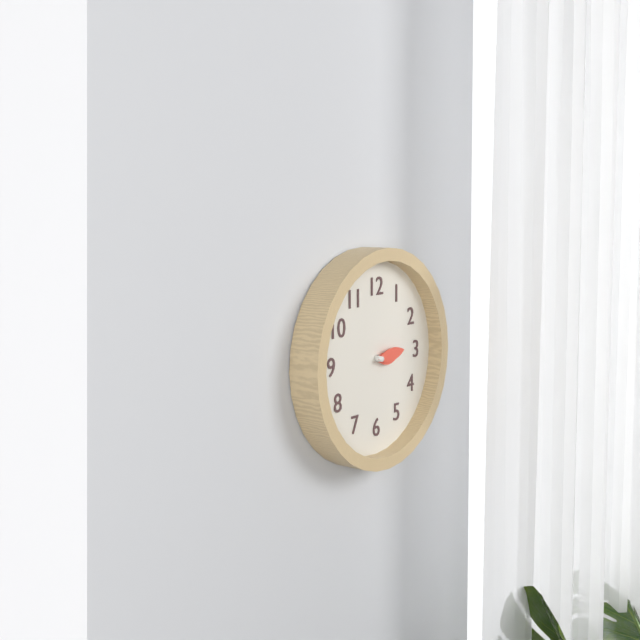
{"hour": 3, "minute": 14}
